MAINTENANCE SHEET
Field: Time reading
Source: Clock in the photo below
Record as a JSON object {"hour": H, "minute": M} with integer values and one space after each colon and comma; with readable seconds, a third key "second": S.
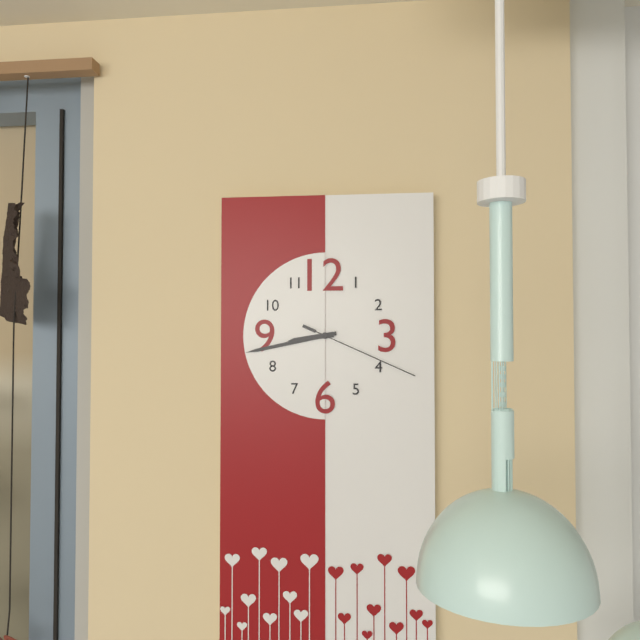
{"hour": 8, "minute": 43, "second": 19}
